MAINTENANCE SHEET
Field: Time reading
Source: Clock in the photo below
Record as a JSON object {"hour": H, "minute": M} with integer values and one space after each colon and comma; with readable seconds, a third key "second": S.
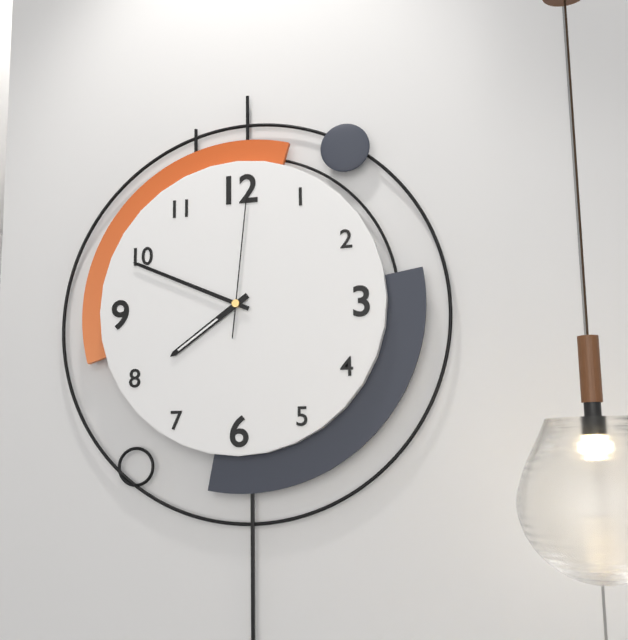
{"hour": 7, "minute": 49, "second": 1}
